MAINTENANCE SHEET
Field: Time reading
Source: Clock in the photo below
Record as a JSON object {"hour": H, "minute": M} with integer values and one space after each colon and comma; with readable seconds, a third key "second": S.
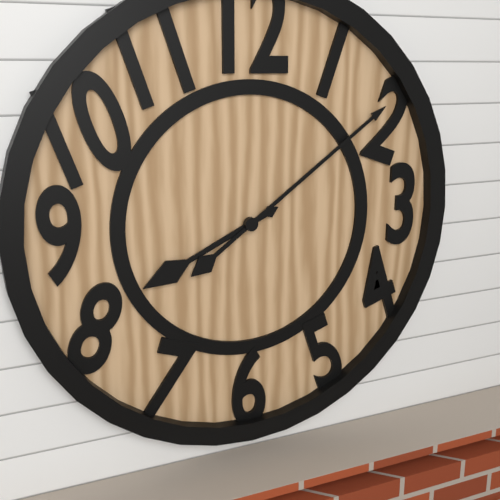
{"hour": 8, "minute": 9}
